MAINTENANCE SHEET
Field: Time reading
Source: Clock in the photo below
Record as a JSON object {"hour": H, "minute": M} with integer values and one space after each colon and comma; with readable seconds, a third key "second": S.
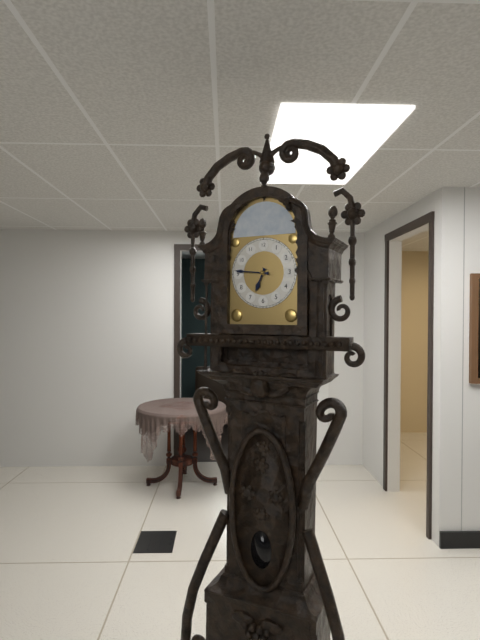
{"hour": 6, "minute": 46}
